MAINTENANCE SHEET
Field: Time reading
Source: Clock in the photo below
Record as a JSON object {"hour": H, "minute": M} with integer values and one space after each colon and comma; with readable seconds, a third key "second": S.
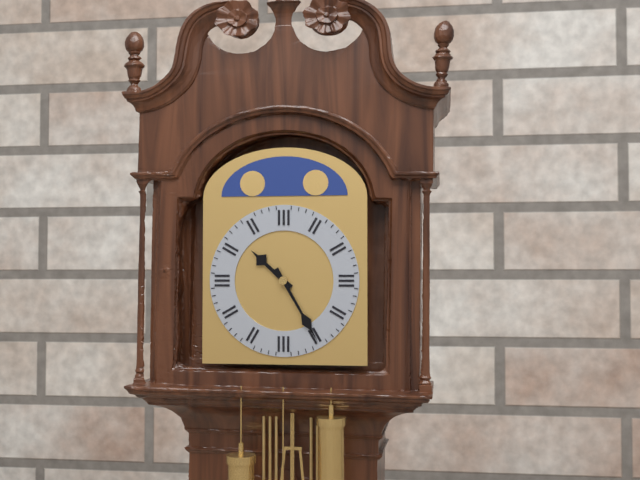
{"hour": 10, "minute": 25}
